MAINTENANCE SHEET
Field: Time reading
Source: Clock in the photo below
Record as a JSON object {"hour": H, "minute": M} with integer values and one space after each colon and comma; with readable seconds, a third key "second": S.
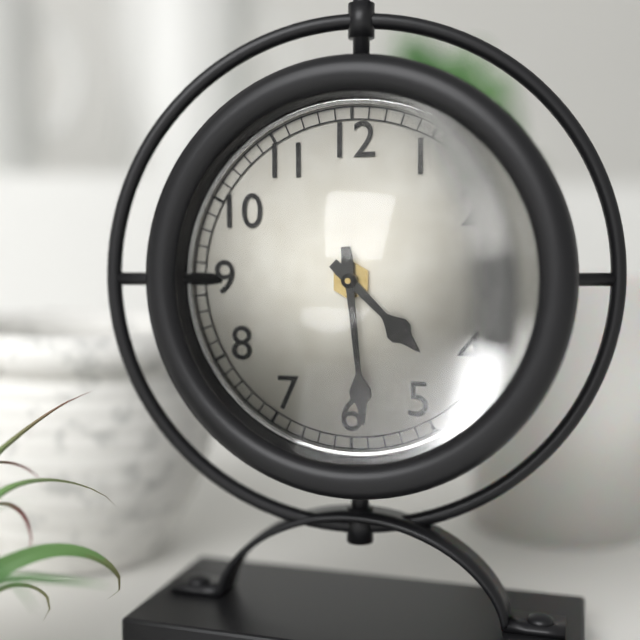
{"hour": 4, "minute": 29}
